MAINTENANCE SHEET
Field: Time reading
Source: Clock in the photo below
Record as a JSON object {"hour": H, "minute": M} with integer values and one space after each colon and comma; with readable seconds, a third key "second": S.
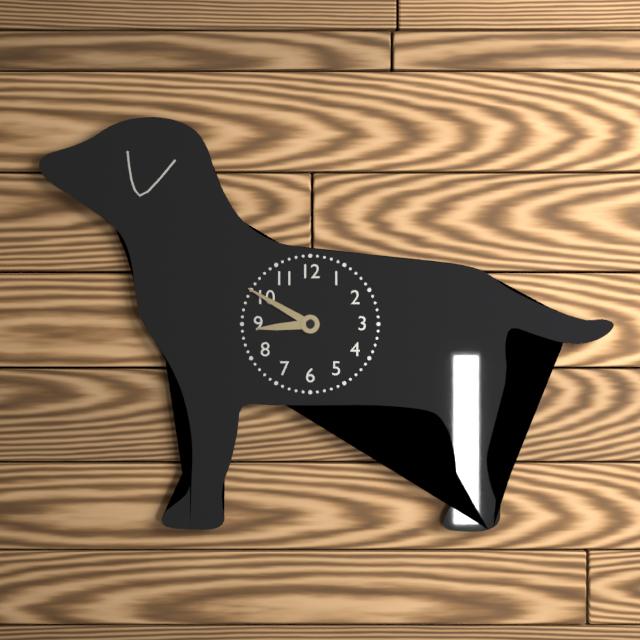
{"hour": 8, "minute": 50}
